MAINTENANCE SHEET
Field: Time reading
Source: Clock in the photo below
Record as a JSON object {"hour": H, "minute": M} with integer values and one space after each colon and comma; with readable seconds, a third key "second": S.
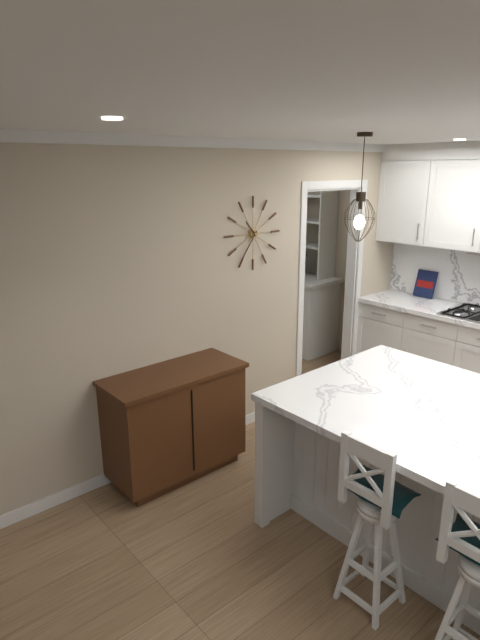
{"hour": 10, "minute": 36}
